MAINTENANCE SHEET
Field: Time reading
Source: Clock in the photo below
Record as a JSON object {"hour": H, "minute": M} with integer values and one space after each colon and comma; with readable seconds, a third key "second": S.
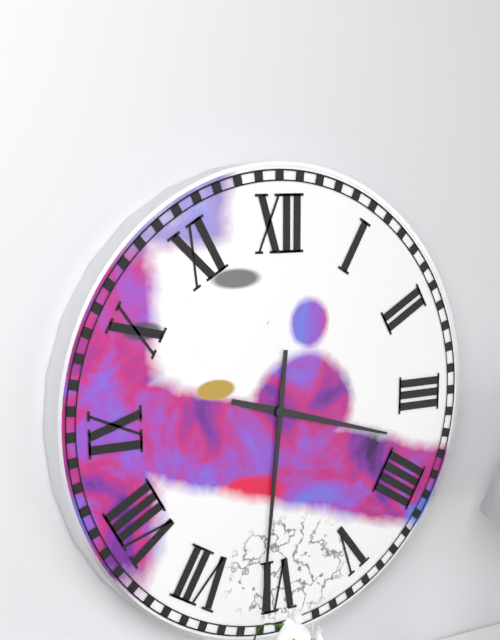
{"hour": 3, "minute": 31}
